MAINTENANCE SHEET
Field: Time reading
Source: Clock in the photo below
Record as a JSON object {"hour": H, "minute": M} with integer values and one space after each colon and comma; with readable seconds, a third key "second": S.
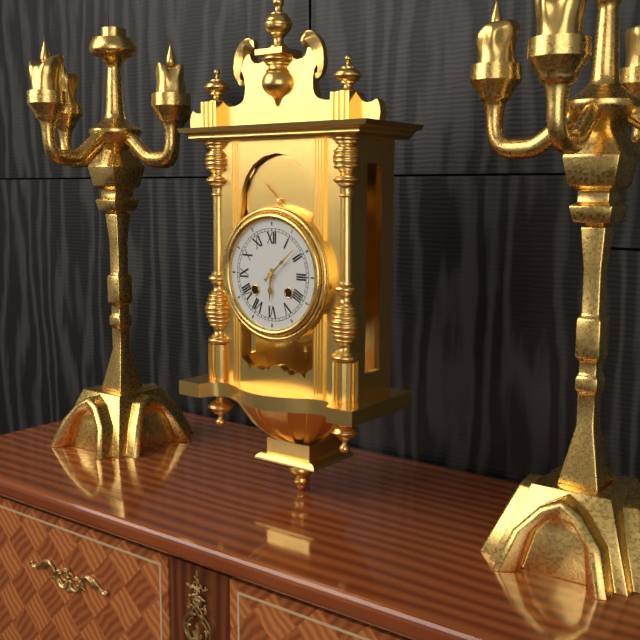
{"hour": 6, "minute": 8}
